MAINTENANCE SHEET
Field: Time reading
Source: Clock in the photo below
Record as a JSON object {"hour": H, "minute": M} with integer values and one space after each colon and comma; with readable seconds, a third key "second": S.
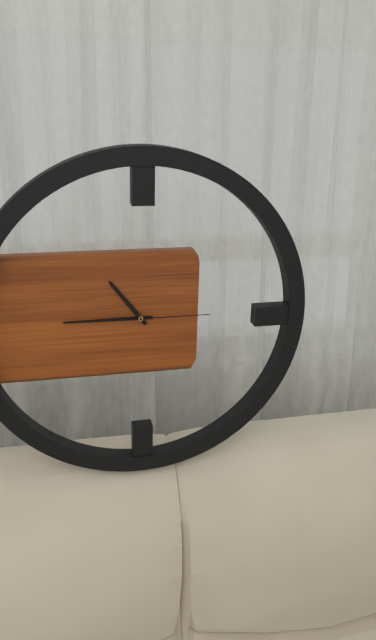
{"hour": 10, "minute": 45, "second": 15}
